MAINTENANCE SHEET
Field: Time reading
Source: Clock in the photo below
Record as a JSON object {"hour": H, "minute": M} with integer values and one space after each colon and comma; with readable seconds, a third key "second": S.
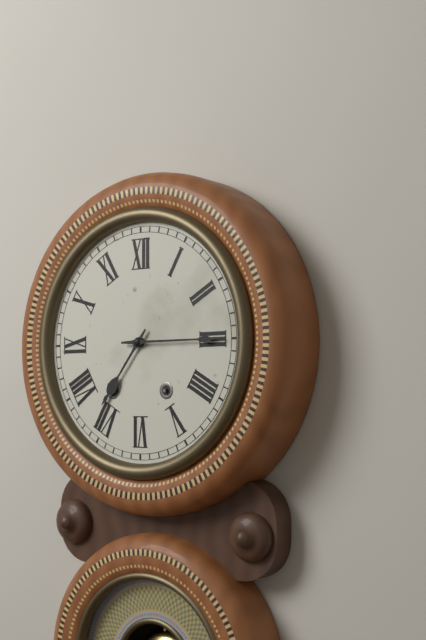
{"hour": 7, "minute": 15}
